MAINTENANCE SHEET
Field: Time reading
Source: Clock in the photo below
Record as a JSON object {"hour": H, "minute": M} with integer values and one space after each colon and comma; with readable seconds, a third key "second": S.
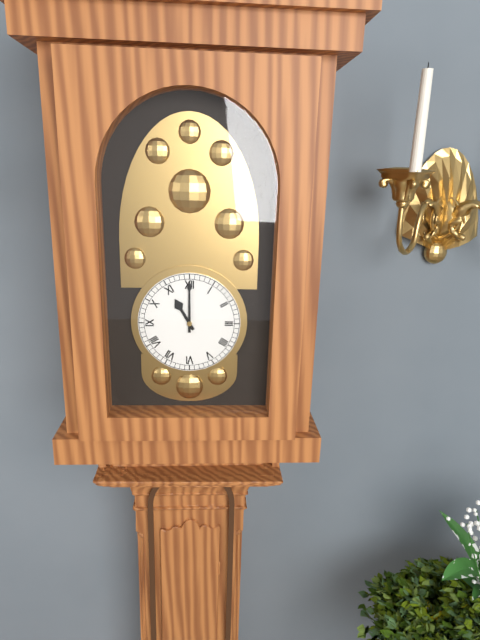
{"hour": 11, "minute": 0}
